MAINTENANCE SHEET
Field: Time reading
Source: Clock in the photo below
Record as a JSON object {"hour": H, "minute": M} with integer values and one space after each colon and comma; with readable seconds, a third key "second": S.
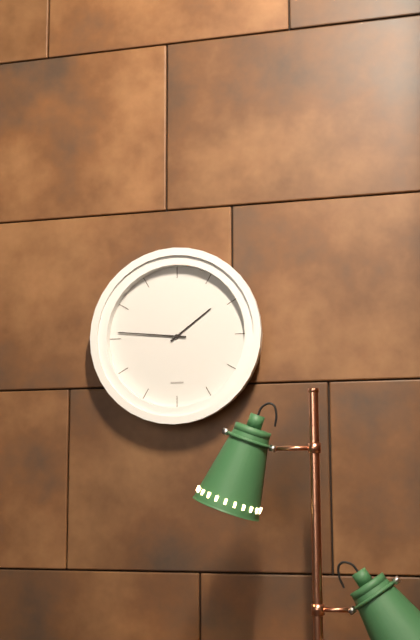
{"hour": 1, "minute": 46}
